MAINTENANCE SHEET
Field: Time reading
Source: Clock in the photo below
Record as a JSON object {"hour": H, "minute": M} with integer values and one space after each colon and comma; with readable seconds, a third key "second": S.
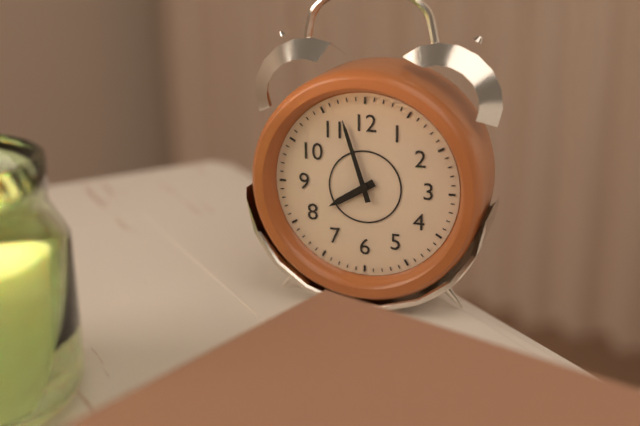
{"hour": 7, "minute": 57}
